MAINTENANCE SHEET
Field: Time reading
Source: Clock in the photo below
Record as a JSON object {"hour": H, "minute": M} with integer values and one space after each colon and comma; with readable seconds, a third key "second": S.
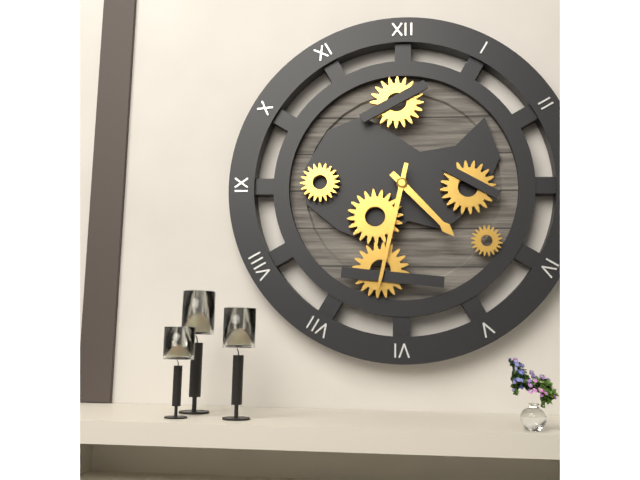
{"hour": 4, "minute": 32}
